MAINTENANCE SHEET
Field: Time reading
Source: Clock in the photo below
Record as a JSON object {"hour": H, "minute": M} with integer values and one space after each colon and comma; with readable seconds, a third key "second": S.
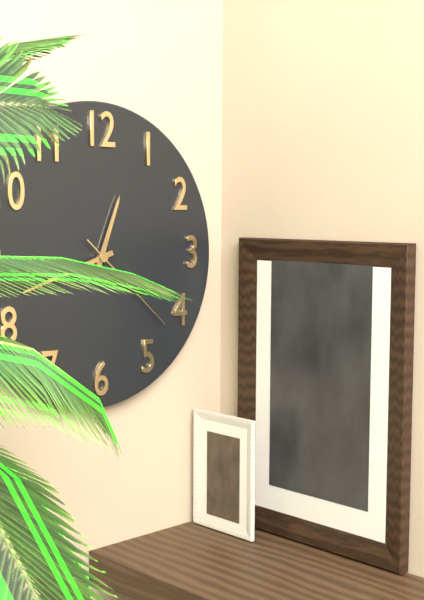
{"hour": 12, "minute": 42, "second": 22}
